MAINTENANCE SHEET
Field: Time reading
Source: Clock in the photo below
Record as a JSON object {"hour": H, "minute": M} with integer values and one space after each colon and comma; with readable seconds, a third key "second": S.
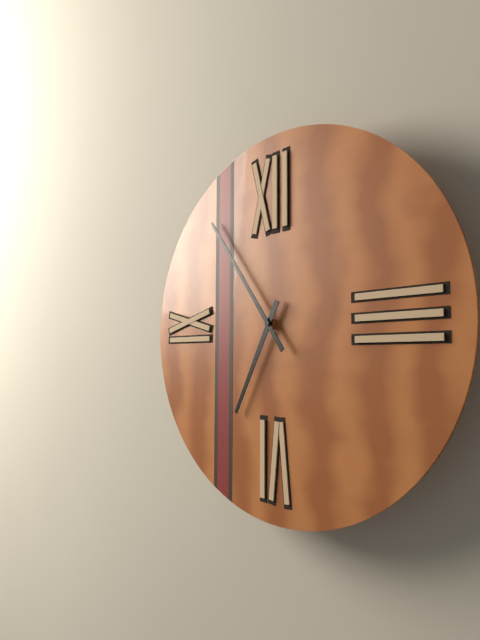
{"hour": 6, "minute": 54}
